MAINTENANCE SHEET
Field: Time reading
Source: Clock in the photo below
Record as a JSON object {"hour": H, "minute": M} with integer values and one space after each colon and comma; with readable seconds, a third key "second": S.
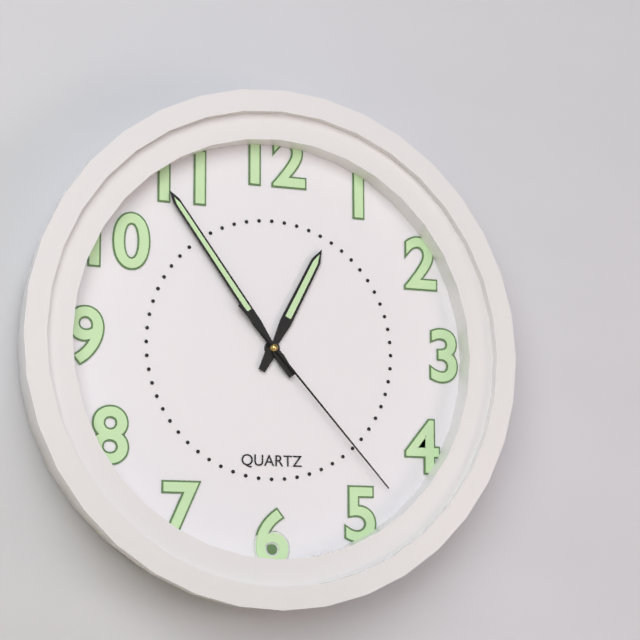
{"hour": 12, "minute": 54, "second": 23}
